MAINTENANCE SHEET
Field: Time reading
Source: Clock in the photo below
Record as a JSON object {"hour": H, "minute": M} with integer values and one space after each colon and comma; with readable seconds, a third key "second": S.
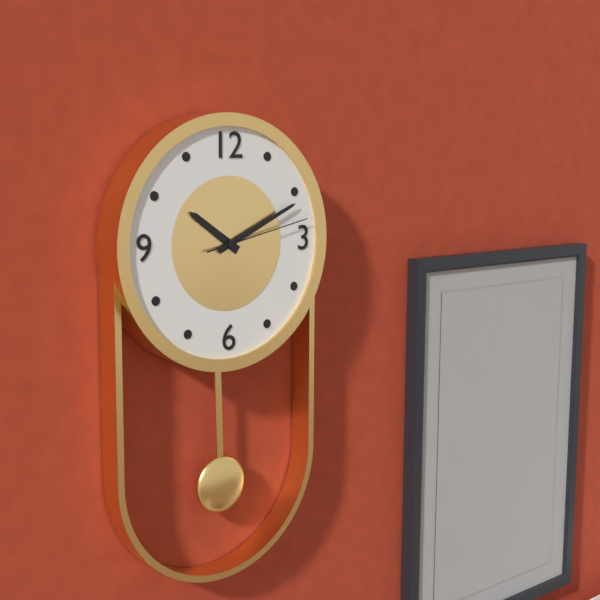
{"hour": 10, "minute": 11, "second": 13}
